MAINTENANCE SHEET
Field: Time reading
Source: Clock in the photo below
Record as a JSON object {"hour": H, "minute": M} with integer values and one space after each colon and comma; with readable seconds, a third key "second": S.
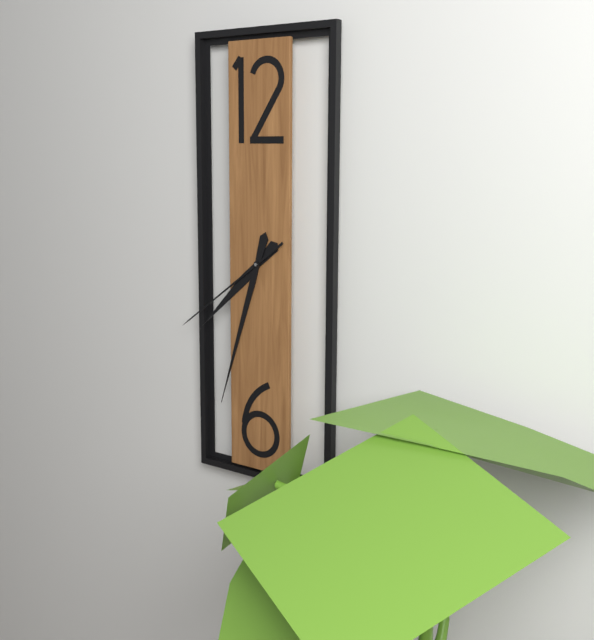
{"hour": 7, "minute": 33, "second": 39}
